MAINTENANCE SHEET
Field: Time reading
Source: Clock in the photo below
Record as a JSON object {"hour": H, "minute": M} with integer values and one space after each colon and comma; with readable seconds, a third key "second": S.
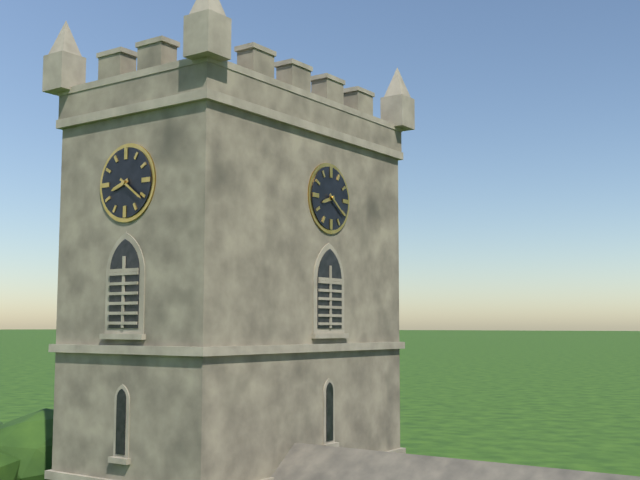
{"hour": 8, "minute": 21}
